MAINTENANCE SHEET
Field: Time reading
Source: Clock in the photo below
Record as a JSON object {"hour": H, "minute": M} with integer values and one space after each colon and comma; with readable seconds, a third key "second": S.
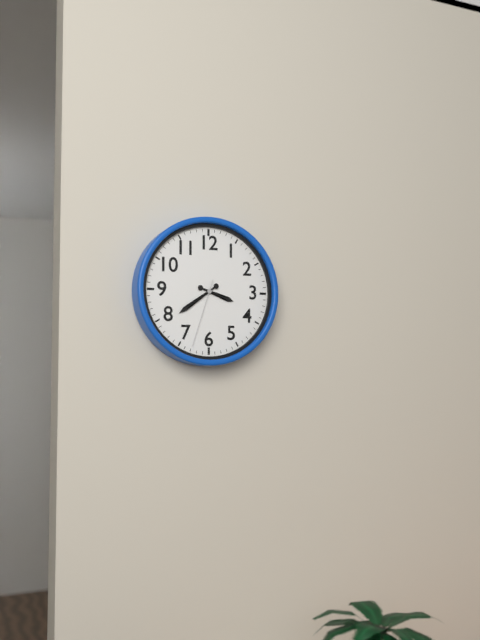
{"hour": 3, "minute": 39, "second": 33}
